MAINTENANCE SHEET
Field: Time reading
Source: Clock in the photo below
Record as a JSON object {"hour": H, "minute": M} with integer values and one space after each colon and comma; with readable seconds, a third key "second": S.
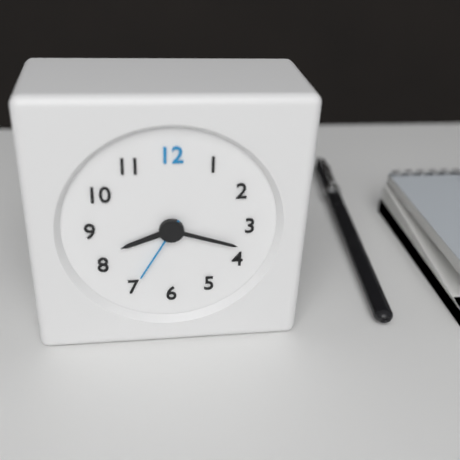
{"hour": 8, "minute": 18, "second": 35}
